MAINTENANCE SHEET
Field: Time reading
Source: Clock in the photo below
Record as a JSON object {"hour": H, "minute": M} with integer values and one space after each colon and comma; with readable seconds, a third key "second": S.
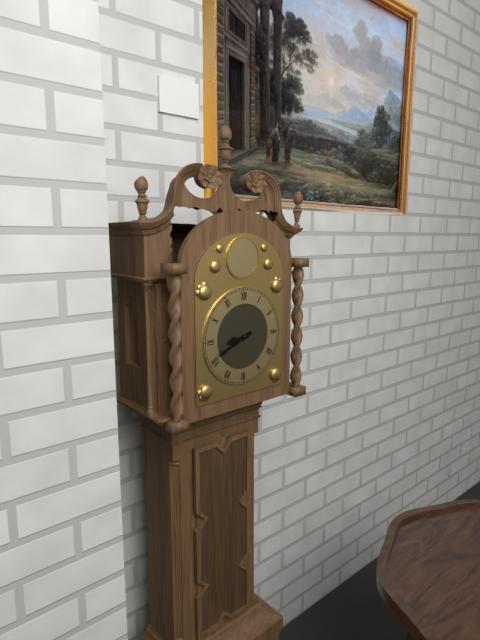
{"hour": 8, "minute": 41}
